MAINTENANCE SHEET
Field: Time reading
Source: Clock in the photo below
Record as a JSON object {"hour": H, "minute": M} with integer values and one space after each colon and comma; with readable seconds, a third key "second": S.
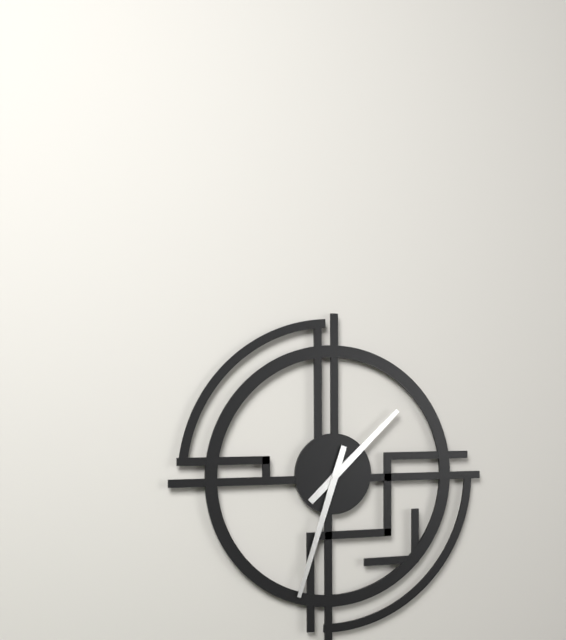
{"hour": 1, "minute": 33}
